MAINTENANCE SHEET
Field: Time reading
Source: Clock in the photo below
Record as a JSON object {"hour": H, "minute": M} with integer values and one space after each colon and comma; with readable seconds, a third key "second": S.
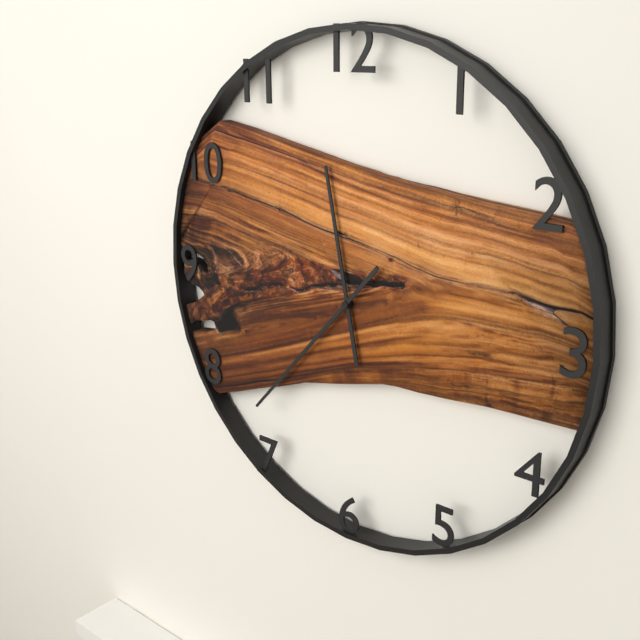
{"hour": 11, "minute": 37}
